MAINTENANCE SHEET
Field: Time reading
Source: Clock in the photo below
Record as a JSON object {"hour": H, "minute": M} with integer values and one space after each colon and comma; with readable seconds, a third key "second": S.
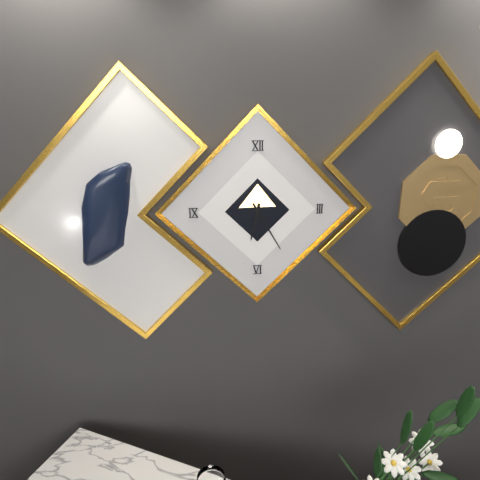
{"hour": 6, "minute": 25}
